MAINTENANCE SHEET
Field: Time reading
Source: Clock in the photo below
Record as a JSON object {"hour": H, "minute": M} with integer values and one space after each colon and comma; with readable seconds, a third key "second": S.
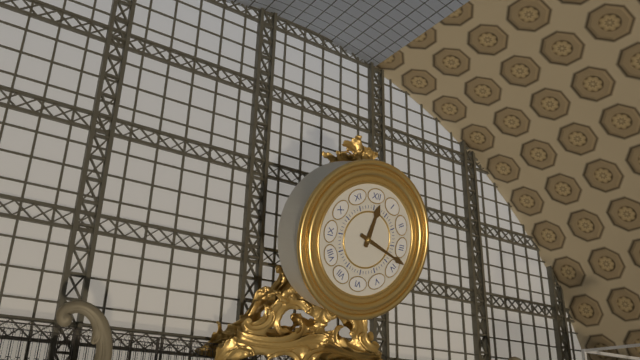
{"hour": 12, "minute": 18}
